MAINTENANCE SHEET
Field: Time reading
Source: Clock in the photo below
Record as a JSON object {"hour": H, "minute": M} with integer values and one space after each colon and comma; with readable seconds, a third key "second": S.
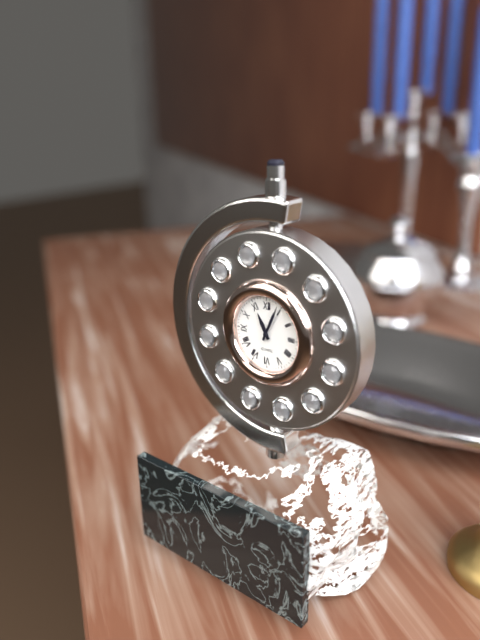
{"hour": 11, "minute": 4}
